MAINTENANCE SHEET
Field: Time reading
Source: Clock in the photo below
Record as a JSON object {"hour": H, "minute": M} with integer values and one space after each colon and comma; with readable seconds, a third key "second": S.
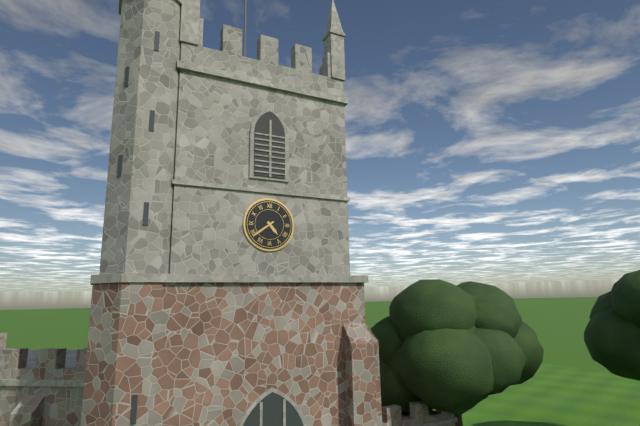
{"hour": 4, "minute": 39}
